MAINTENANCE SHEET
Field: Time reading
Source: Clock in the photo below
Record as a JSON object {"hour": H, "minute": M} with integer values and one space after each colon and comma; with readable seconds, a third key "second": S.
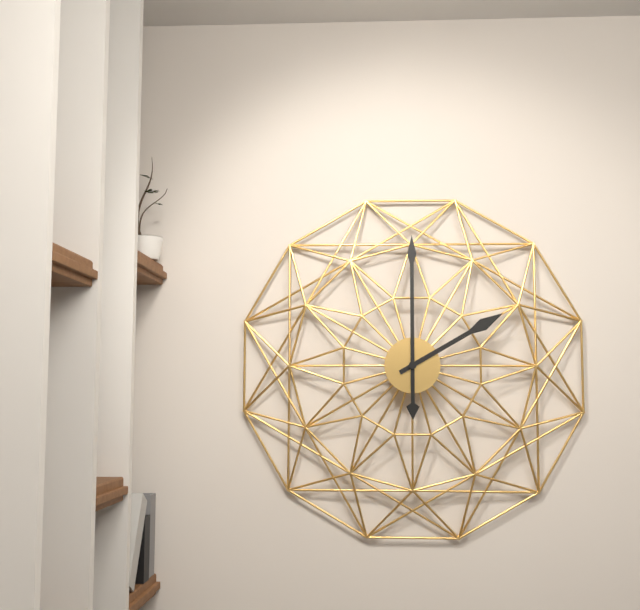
{"hour": 2, "minute": 0}
